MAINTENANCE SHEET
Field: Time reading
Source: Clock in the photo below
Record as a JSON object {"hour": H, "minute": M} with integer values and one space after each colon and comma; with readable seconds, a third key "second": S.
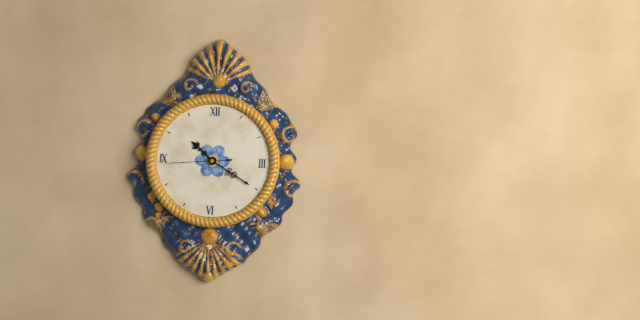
{"hour": 10, "minute": 20, "second": 44}
